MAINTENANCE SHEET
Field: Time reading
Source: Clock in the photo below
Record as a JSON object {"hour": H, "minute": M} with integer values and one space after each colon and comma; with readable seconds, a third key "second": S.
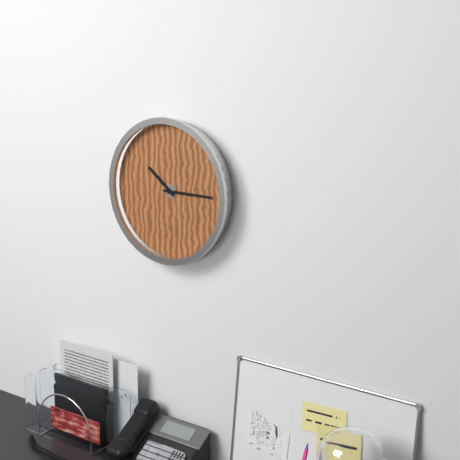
{"hour": 10, "minute": 15}
